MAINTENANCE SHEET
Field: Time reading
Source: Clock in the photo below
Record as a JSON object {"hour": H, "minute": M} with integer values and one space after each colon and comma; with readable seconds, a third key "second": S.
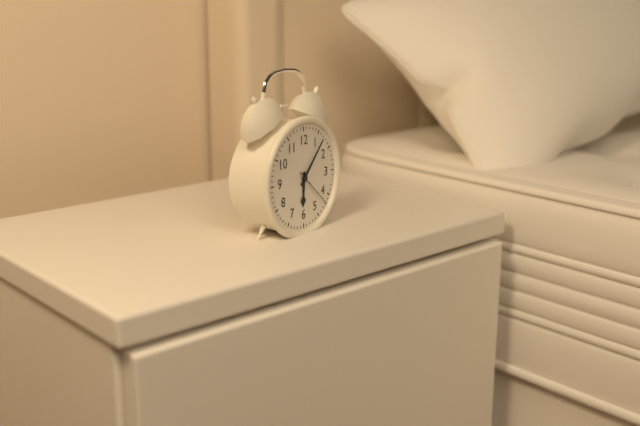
{"hour": 6, "minute": 7}
